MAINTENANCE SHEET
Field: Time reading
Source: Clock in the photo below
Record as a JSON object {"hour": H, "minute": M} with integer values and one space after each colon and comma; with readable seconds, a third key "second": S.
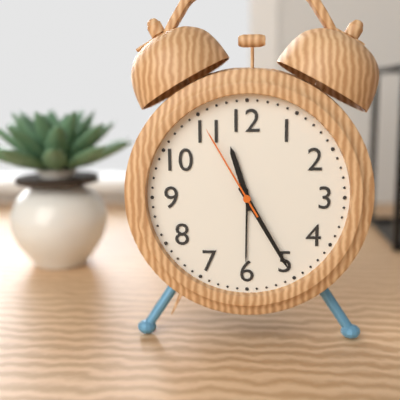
{"hour": 11, "minute": 25, "second": 55}
